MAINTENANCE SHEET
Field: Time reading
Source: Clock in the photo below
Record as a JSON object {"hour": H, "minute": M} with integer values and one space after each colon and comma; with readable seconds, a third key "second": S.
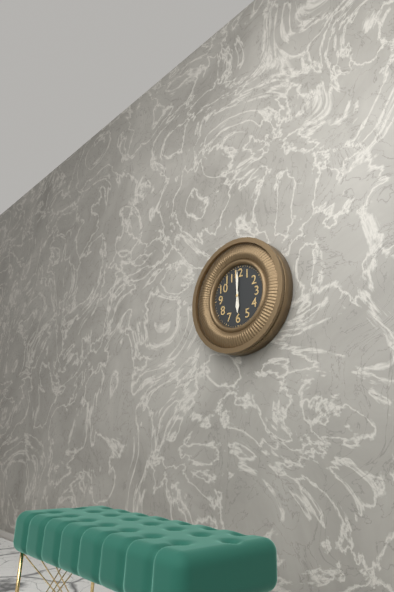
{"hour": 6, "minute": 0}
